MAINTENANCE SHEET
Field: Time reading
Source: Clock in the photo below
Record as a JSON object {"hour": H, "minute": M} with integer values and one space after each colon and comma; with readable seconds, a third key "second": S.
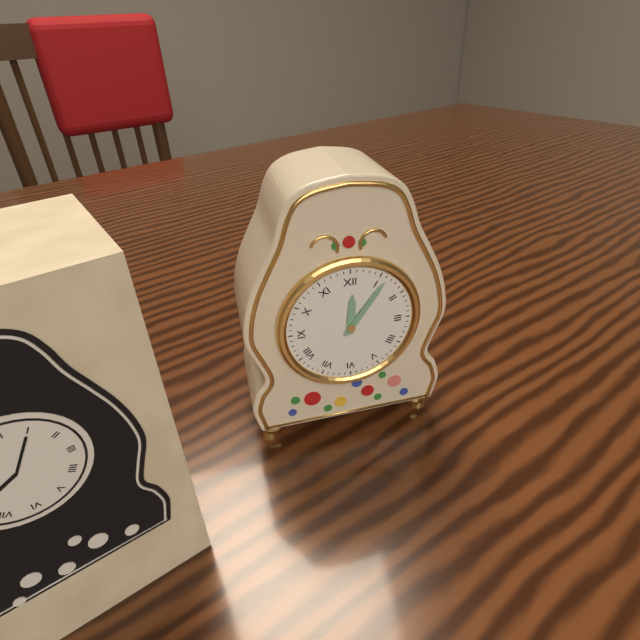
{"hour": 12, "minute": 6}
